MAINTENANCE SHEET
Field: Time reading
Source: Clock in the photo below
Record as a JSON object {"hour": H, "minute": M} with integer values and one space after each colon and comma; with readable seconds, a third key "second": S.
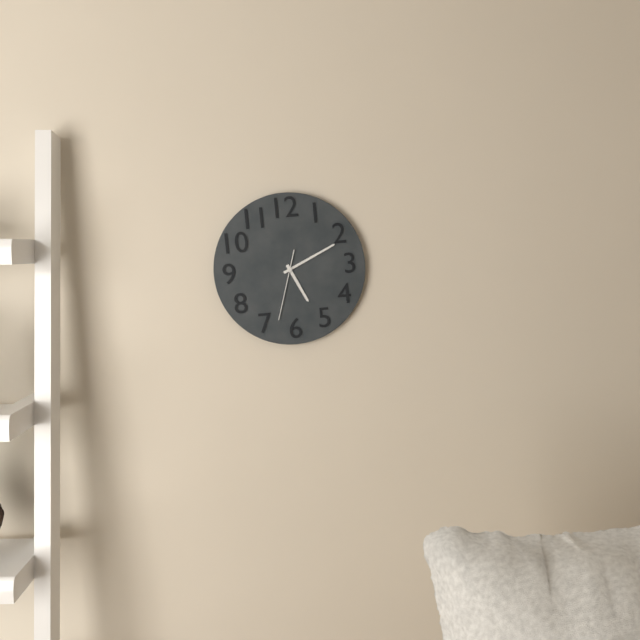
{"hour": 5, "minute": 11, "second": 33}
